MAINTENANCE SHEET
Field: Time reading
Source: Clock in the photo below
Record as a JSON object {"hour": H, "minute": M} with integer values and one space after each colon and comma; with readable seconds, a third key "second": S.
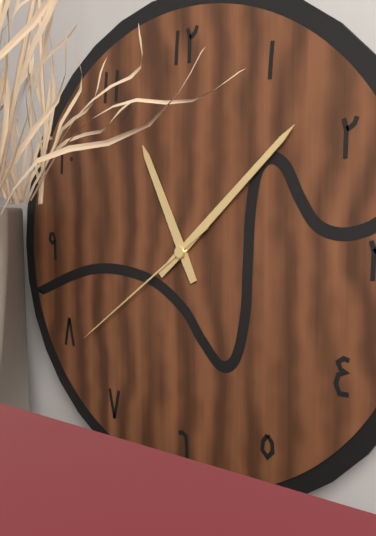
{"hour": 11, "minute": 8, "second": 39}
